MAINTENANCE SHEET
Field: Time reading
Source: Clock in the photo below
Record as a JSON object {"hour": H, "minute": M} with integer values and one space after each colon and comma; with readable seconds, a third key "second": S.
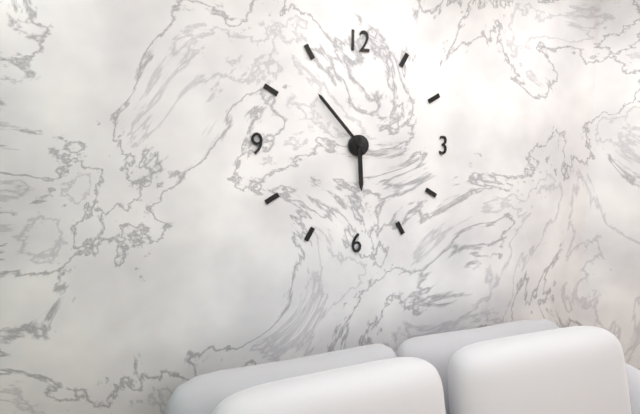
{"hour": 5, "minute": 53}
